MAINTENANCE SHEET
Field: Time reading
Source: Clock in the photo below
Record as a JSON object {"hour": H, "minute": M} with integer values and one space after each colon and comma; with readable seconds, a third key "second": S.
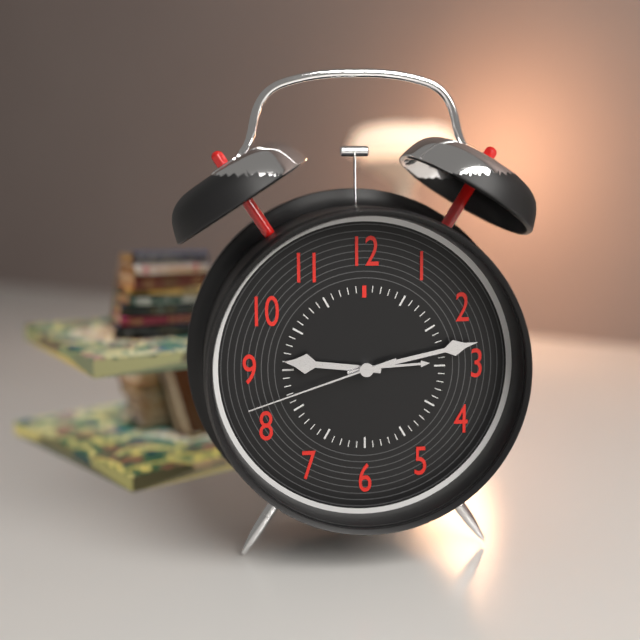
{"hour": 9, "minute": 13, "second": 42}
